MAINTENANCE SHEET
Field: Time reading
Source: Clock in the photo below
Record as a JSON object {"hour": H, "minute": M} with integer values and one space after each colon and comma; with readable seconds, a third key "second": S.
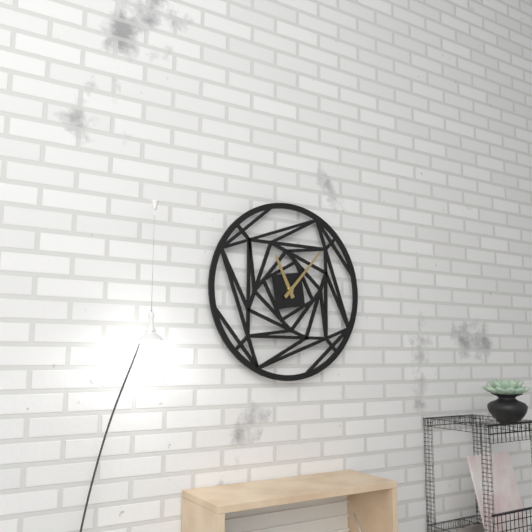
{"hour": 11, "minute": 7}
